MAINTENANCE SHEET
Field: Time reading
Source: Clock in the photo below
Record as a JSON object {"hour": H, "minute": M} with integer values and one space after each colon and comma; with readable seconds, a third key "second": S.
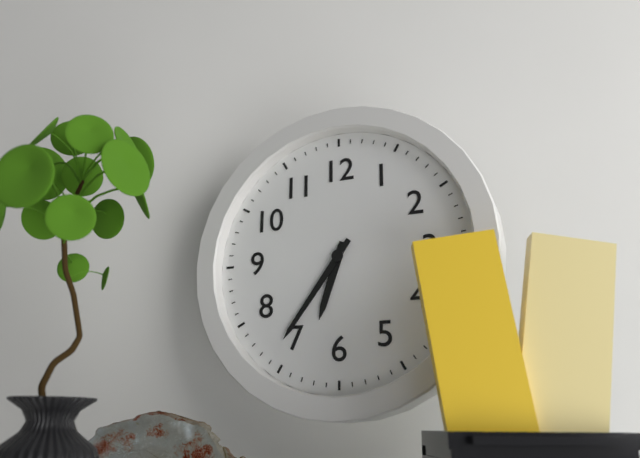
{"hour": 6, "minute": 36}
